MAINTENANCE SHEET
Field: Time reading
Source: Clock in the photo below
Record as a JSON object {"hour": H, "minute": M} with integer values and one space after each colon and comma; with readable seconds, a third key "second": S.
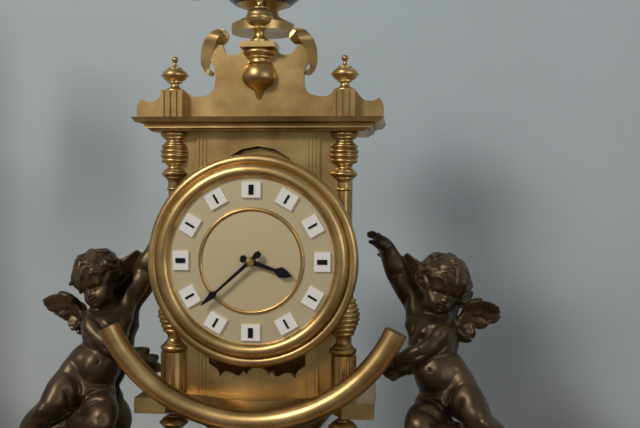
{"hour": 3, "minute": 38}
